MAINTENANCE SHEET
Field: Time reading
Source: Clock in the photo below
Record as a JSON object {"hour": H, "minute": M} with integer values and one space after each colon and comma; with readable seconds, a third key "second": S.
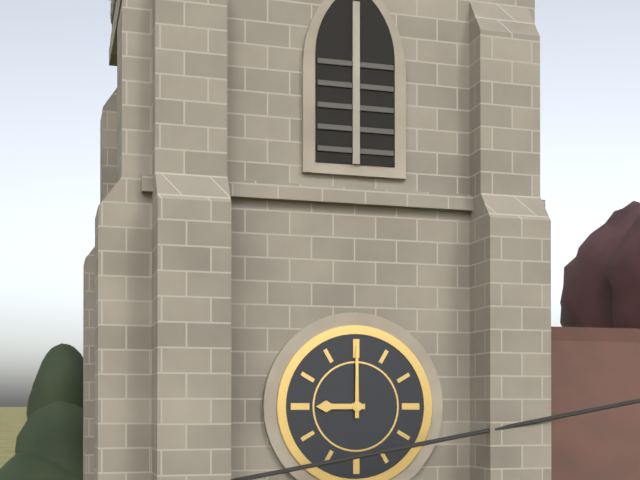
{"hour": 9, "minute": 0}
